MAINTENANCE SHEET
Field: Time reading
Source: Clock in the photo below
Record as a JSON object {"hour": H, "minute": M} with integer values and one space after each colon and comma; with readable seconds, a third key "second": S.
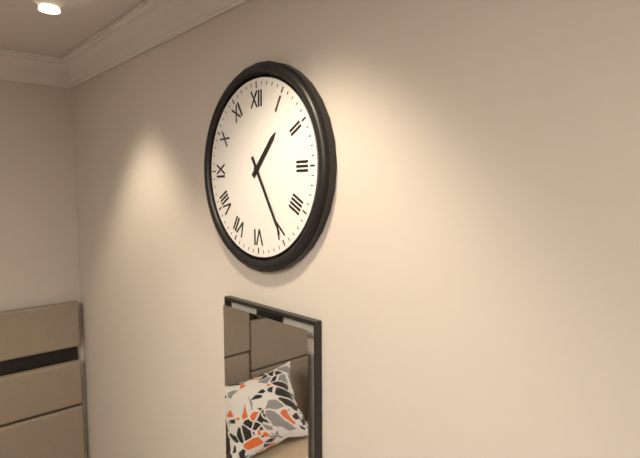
{"hour": 1, "minute": 25}
